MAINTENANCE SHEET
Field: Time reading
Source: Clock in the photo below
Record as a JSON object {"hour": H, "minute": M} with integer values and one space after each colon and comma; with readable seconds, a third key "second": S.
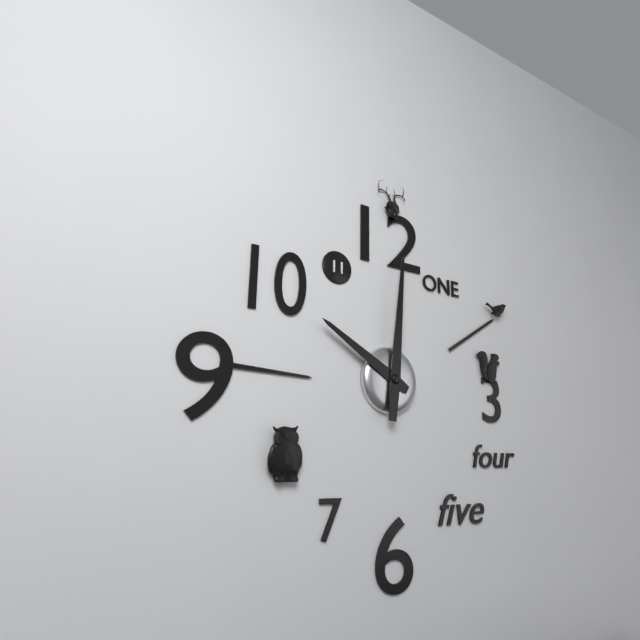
{"hour": 10, "minute": 1}
